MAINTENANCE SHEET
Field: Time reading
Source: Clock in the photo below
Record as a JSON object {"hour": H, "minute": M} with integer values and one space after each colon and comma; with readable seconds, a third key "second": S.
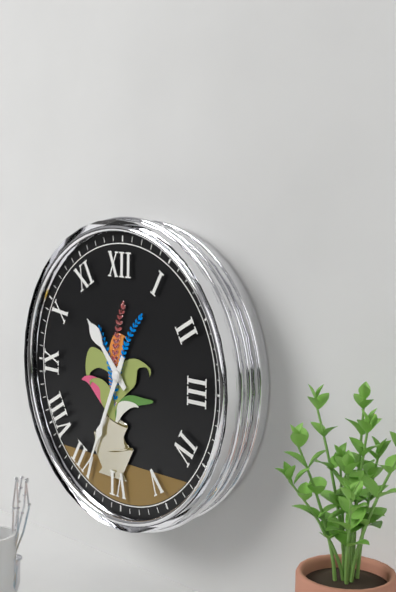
{"hour": 10, "minute": 34}
